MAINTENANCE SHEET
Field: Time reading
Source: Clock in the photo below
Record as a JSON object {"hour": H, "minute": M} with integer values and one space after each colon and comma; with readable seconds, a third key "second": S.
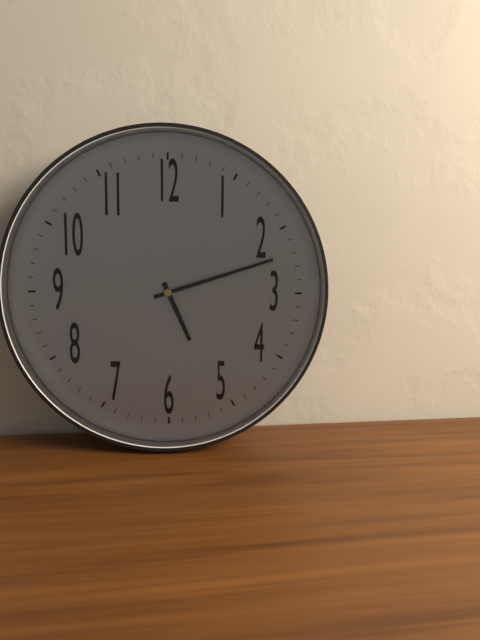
{"hour": 5, "minute": 12}
